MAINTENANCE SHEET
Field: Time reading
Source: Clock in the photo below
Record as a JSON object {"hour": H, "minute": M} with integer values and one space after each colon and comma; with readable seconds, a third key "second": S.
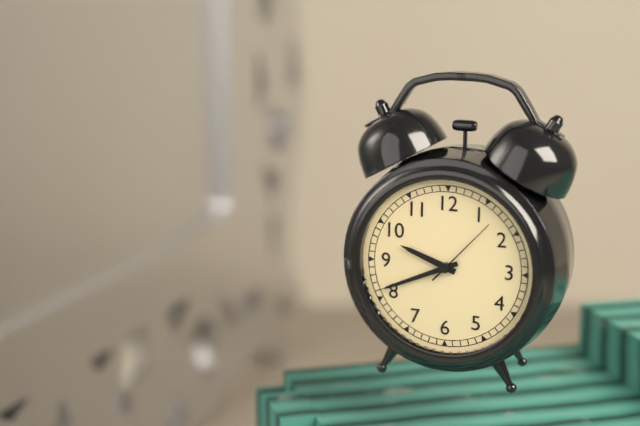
{"hour": 9, "minute": 41, "second": 7}
